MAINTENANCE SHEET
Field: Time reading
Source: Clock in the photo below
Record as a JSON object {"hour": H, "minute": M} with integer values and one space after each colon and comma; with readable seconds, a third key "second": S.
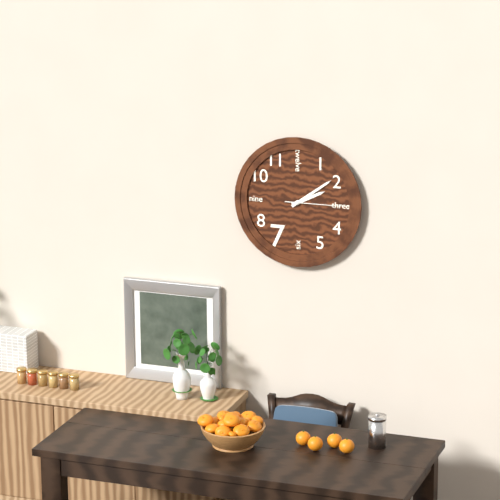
{"hour": 2, "minute": 9, "second": 15}
